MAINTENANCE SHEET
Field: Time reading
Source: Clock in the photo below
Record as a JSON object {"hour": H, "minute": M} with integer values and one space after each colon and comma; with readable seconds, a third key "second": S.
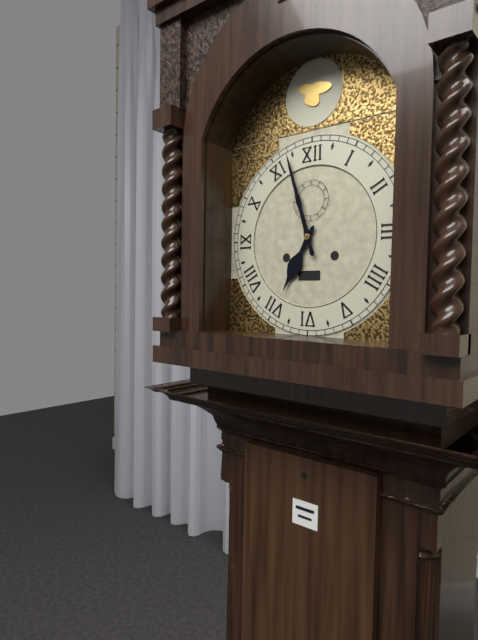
{"hour": 6, "minute": 57}
